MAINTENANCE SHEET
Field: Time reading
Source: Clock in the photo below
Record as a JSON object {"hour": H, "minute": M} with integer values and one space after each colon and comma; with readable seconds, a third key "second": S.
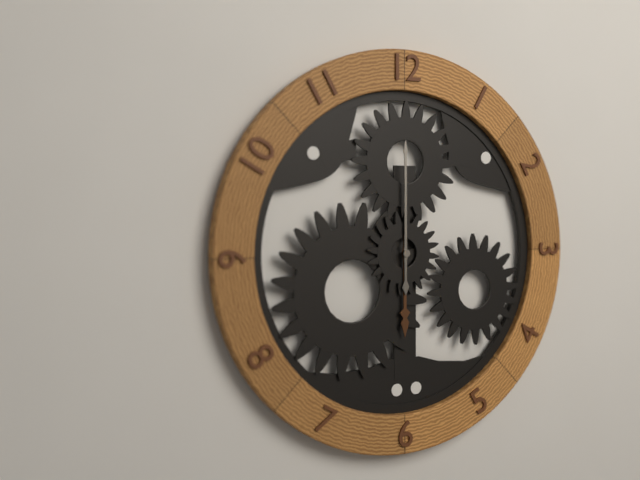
{"hour": 6, "minute": 0}
